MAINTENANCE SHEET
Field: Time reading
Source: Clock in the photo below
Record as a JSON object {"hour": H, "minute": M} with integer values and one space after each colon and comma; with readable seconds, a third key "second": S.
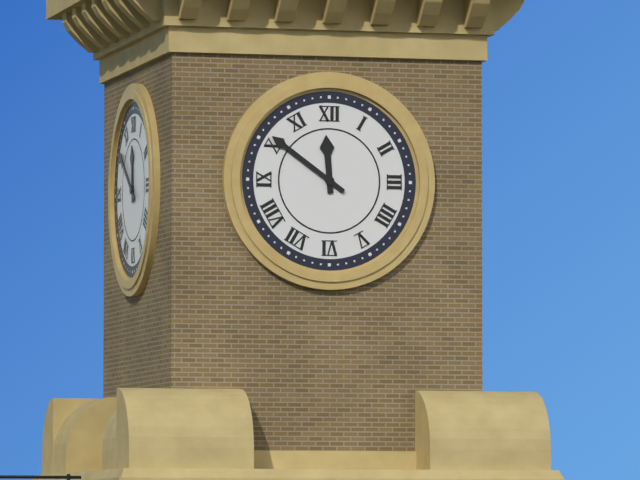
{"hour": 11, "minute": 51}
